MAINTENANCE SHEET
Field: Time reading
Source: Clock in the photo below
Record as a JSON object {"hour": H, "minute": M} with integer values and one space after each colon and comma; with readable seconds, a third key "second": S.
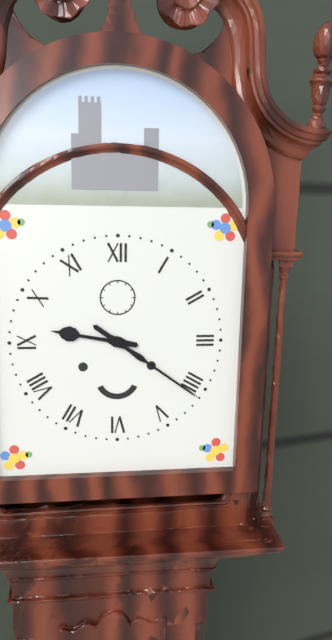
{"hour": 9, "minute": 21}
